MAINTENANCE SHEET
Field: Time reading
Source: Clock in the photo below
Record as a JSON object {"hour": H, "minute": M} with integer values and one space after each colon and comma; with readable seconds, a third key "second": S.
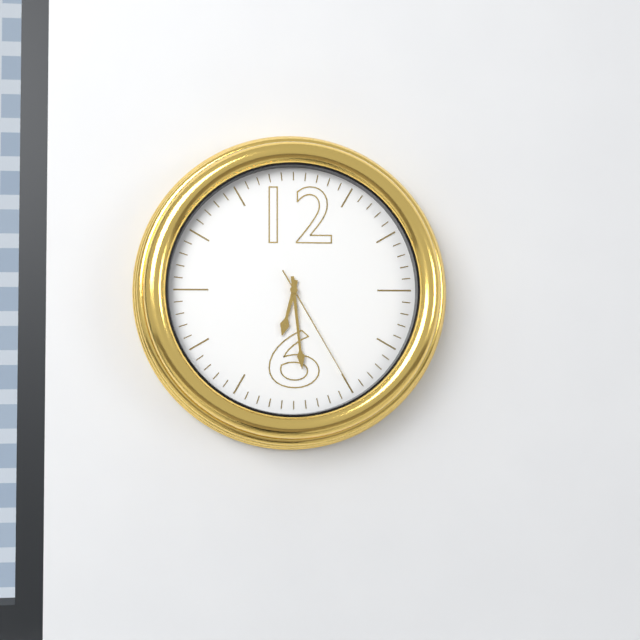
{"hour": 6, "minute": 29, "second": 25}
